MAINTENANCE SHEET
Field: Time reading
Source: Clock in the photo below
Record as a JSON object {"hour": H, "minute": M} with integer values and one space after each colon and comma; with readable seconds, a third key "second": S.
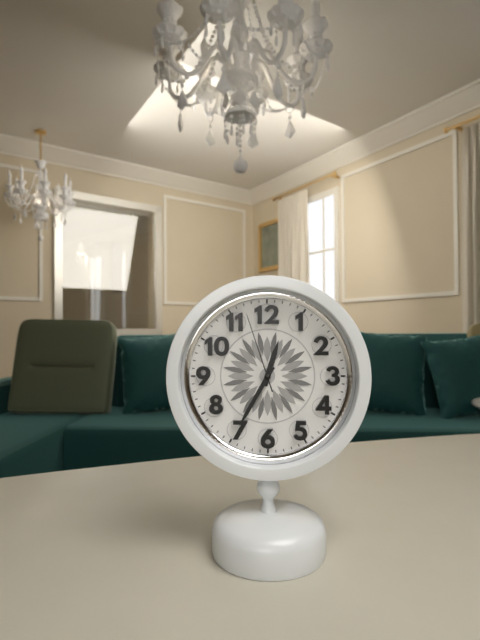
{"hour": 12, "minute": 35, "second": 57}
